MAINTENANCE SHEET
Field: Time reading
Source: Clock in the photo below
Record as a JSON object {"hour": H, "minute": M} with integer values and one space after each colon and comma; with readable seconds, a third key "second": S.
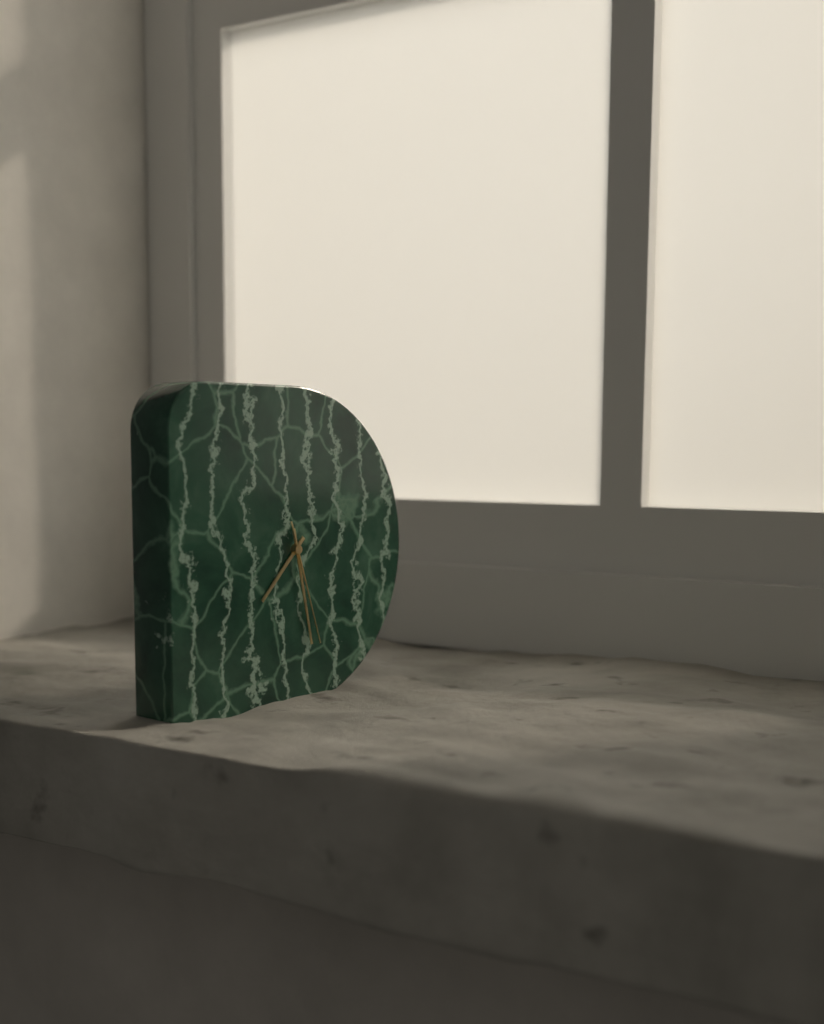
{"hour": 7, "minute": 28, "second": 27}
